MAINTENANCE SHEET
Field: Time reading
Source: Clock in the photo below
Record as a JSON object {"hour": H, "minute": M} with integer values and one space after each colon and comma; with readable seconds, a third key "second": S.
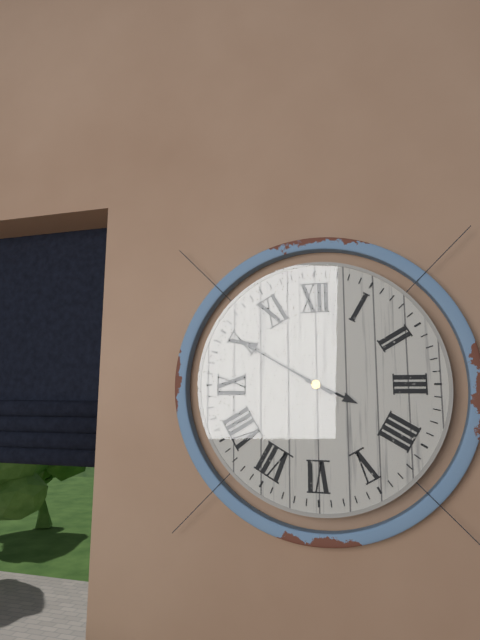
{"hour": 3, "minute": 50}
